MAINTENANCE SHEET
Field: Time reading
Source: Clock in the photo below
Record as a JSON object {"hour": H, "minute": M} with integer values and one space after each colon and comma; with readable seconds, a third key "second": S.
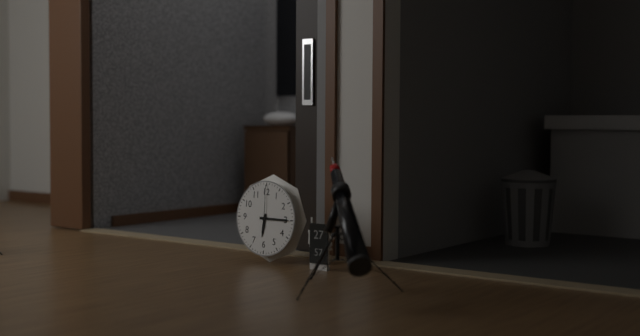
{"hour": 6, "minute": 15}
